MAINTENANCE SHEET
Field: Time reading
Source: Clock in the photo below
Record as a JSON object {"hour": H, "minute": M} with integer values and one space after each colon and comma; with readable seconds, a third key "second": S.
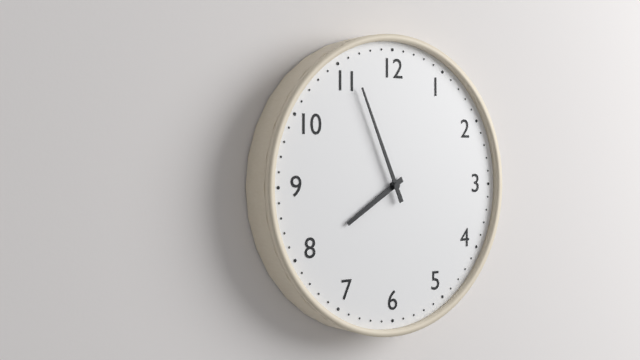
{"hour": 7, "minute": 56}
